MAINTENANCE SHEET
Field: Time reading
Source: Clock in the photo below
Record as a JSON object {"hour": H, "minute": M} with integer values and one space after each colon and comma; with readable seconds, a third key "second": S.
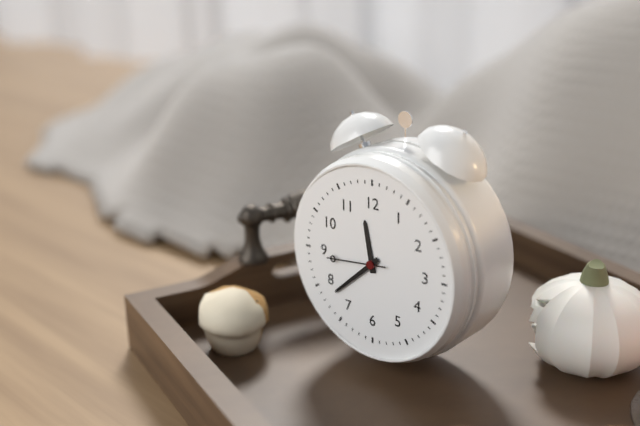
{"hour": 11, "minute": 38, "second": 44}
